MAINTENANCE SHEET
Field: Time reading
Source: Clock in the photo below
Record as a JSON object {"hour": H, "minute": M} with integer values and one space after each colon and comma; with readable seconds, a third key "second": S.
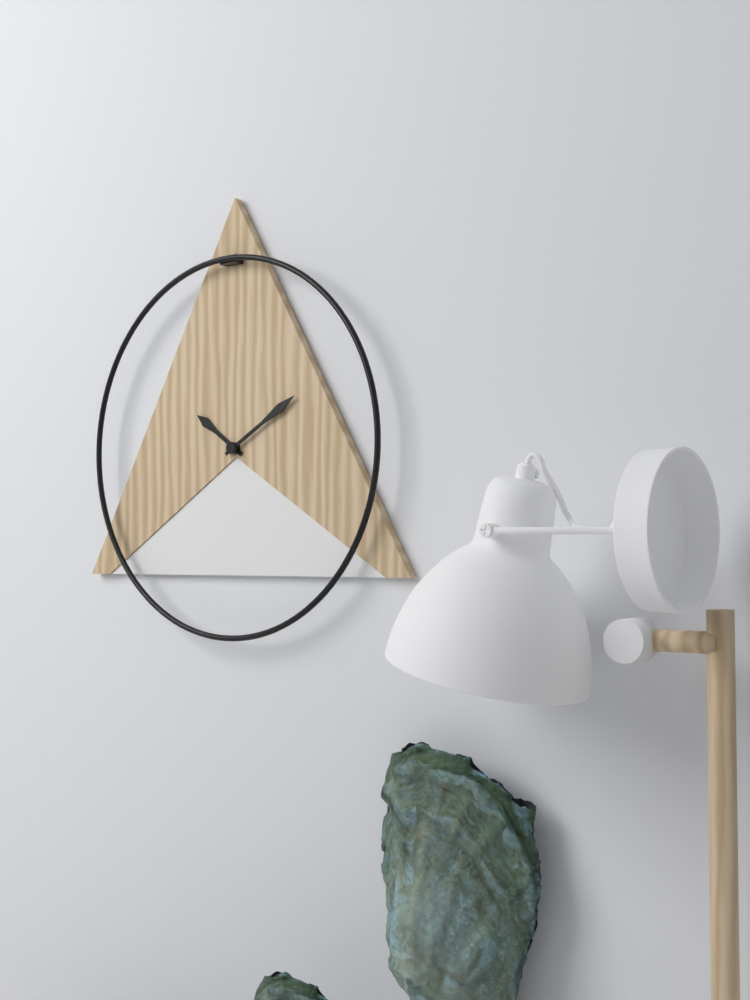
{"hour": 10, "minute": 10}
